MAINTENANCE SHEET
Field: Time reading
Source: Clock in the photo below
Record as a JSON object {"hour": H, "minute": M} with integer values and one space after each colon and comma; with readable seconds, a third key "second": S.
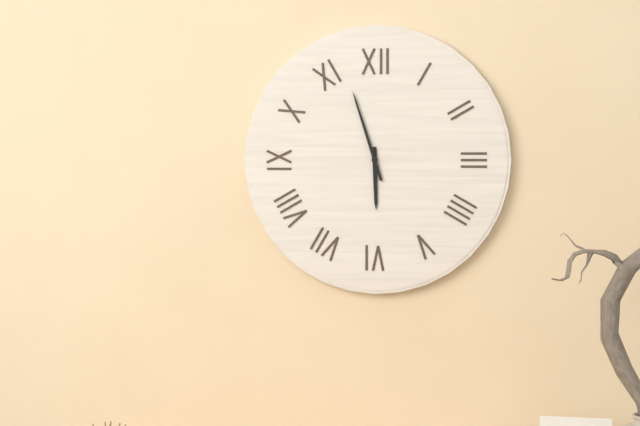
{"hour": 5, "minute": 57}
